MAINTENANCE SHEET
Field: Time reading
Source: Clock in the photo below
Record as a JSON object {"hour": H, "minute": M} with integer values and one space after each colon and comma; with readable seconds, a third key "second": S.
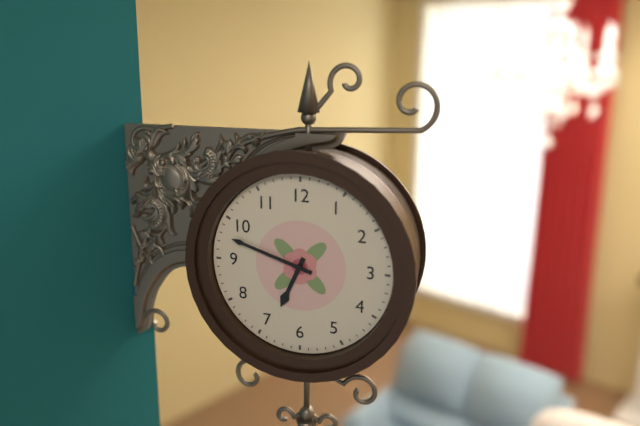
{"hour": 6, "minute": 48}
